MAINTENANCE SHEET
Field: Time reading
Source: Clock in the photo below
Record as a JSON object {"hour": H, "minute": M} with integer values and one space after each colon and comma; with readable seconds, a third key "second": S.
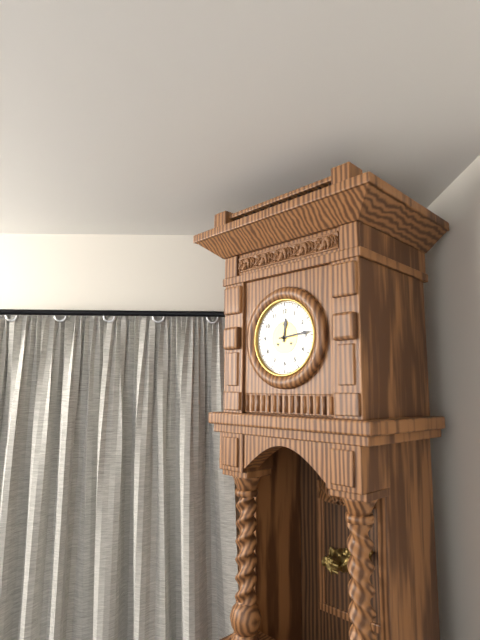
{"hour": 12, "minute": 14}
